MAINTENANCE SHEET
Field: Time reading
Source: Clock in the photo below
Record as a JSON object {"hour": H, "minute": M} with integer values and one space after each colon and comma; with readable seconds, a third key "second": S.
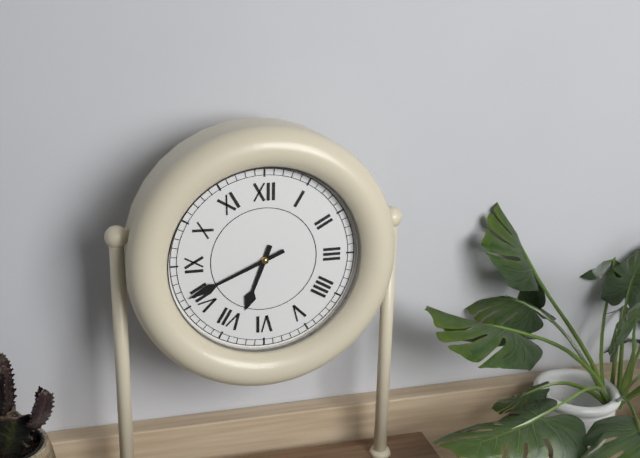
{"hour": 6, "minute": 41}
